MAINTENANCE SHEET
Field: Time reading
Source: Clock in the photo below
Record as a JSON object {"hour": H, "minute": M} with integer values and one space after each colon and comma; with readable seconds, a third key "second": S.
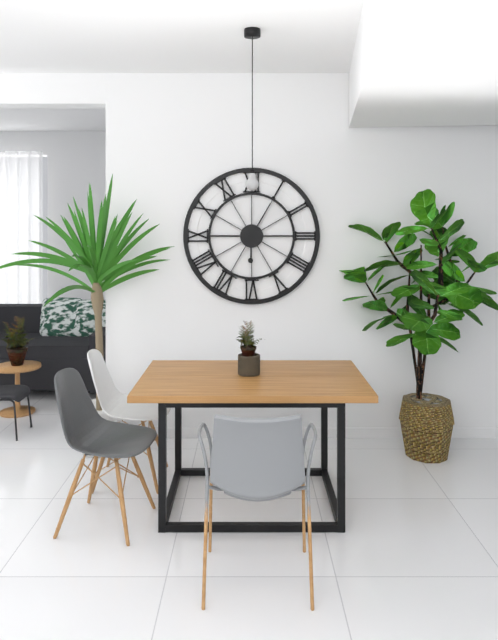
{"hour": 6, "minute": 5}
